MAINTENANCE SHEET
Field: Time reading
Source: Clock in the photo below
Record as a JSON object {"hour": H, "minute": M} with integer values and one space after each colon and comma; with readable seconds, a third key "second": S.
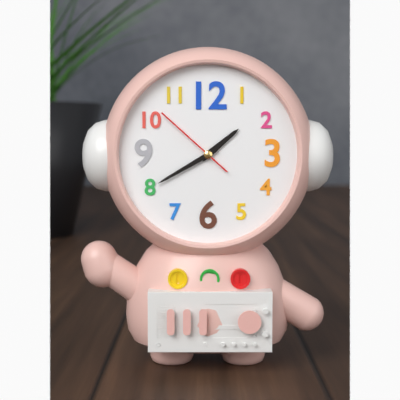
{"hour": 1, "minute": 40, "second": 52}
